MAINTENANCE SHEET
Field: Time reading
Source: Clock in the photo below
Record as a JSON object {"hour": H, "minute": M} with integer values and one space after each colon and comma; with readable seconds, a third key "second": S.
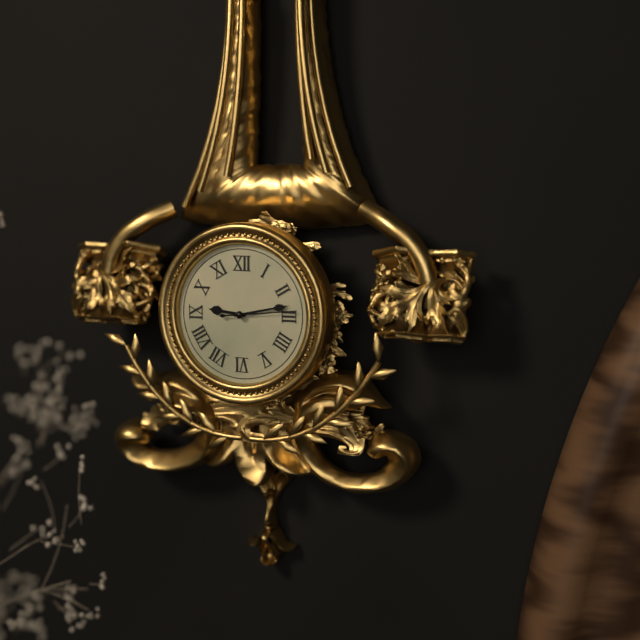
{"hour": 9, "minute": 13, "second": 14}
